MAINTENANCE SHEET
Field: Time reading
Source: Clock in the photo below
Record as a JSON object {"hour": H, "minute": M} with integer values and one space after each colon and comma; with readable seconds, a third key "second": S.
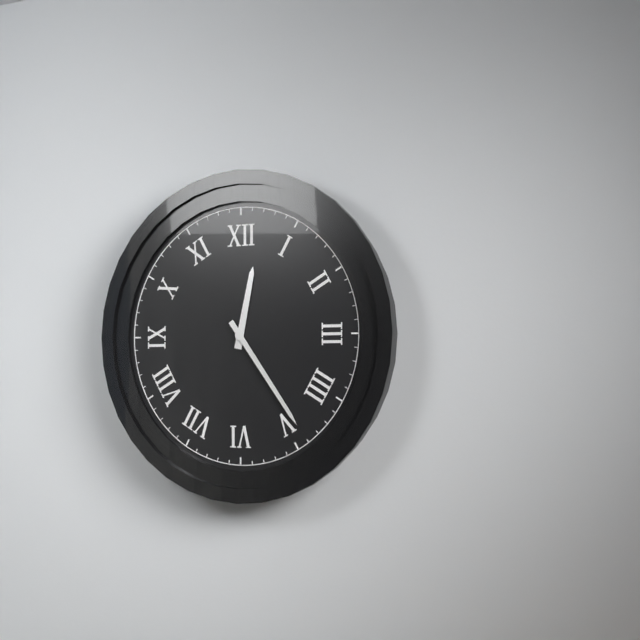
{"hour": 12, "minute": 24}
